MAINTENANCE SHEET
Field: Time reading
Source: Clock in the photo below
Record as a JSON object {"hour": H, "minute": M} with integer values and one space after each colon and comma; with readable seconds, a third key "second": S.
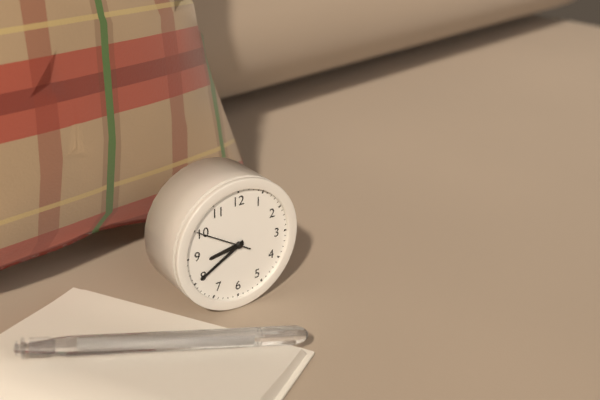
{"hour": 8, "minute": 40, "second": 50}
